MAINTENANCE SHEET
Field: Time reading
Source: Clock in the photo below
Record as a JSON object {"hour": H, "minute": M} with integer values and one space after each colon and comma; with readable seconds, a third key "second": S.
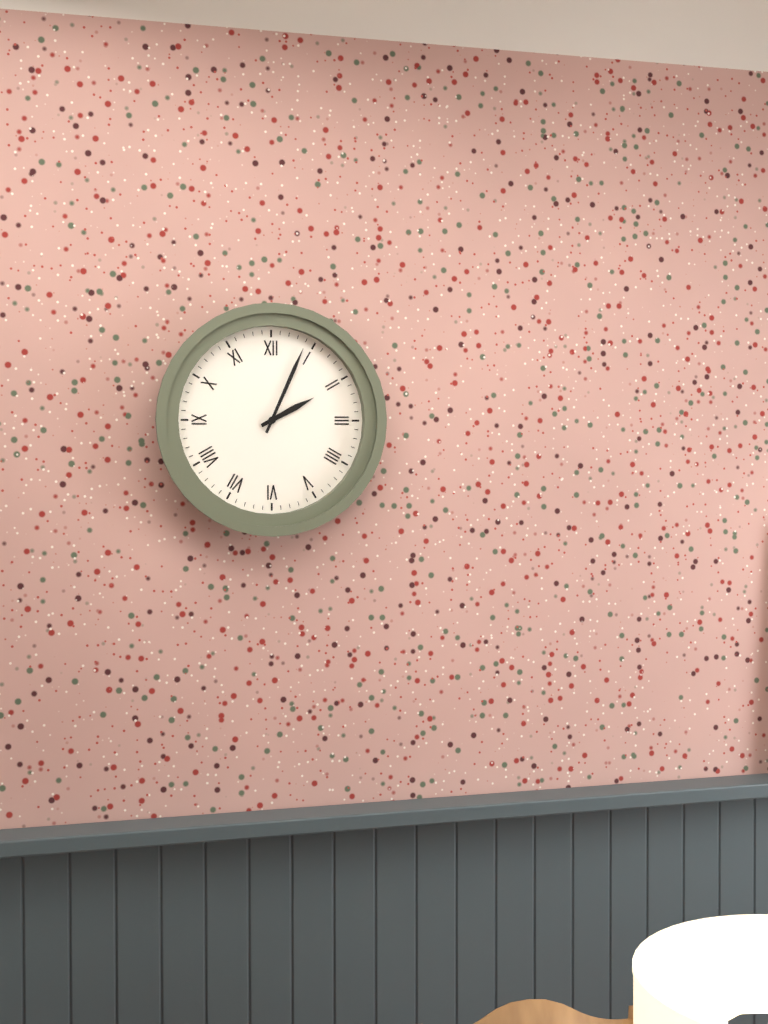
{"hour": 2, "minute": 4}
